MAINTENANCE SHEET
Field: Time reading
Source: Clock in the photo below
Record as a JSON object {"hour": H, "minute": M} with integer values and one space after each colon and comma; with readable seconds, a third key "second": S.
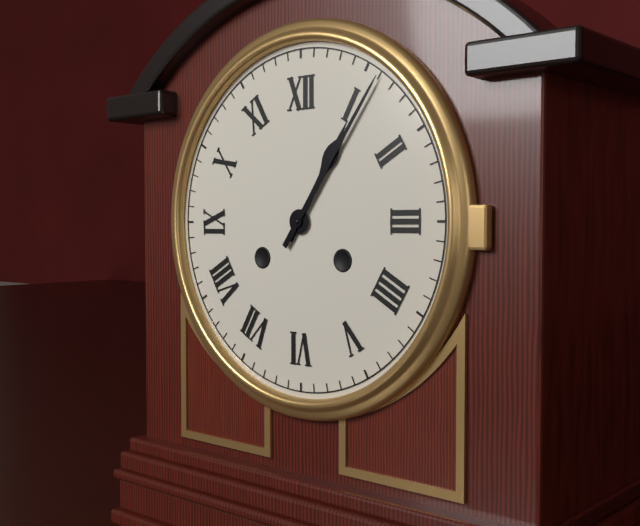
{"hour": 1, "minute": 6}
